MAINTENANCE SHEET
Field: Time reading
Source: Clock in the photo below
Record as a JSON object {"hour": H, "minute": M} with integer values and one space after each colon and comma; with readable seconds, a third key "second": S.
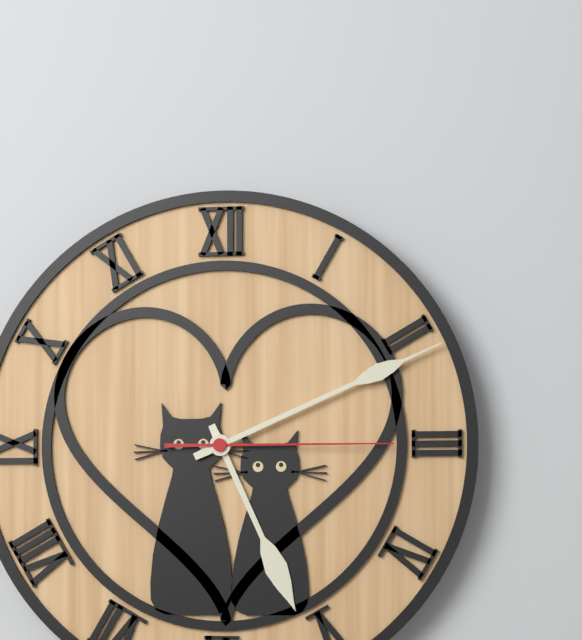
{"hour": 5, "minute": 11, "second": 15}
